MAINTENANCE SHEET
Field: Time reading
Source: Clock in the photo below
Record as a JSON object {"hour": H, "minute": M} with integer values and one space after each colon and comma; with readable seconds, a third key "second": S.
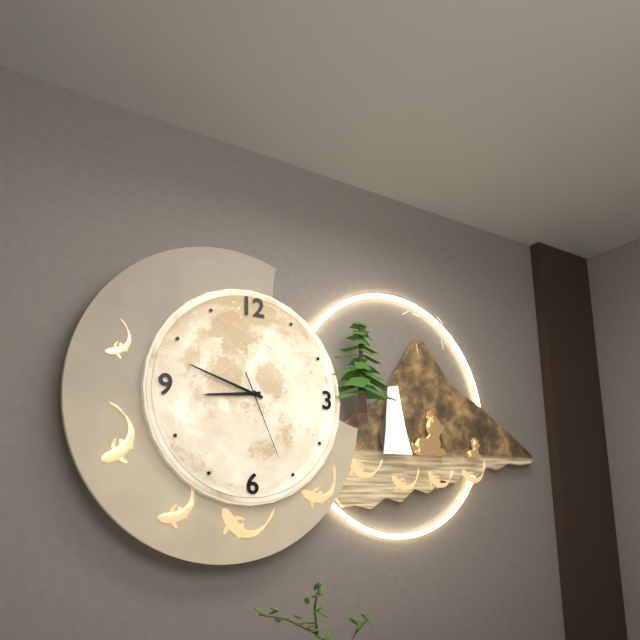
{"hour": 8, "minute": 48, "second": 26}
